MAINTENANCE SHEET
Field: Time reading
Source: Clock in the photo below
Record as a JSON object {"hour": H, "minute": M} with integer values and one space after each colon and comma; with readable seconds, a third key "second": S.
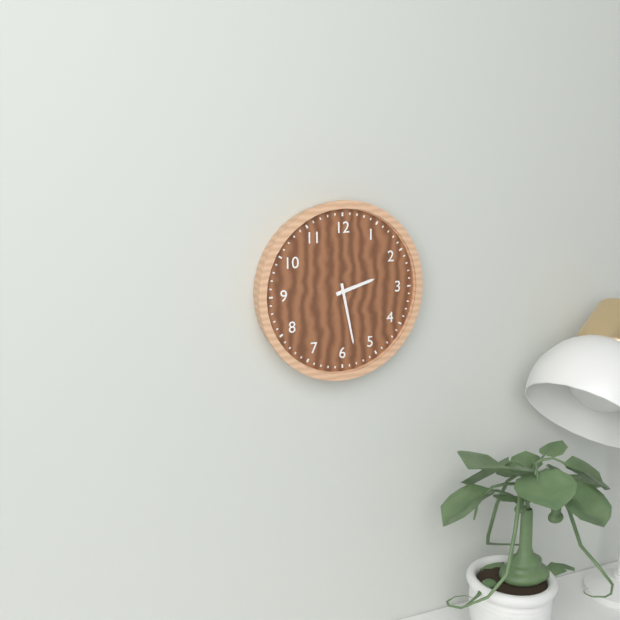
{"hour": 2, "minute": 28}
